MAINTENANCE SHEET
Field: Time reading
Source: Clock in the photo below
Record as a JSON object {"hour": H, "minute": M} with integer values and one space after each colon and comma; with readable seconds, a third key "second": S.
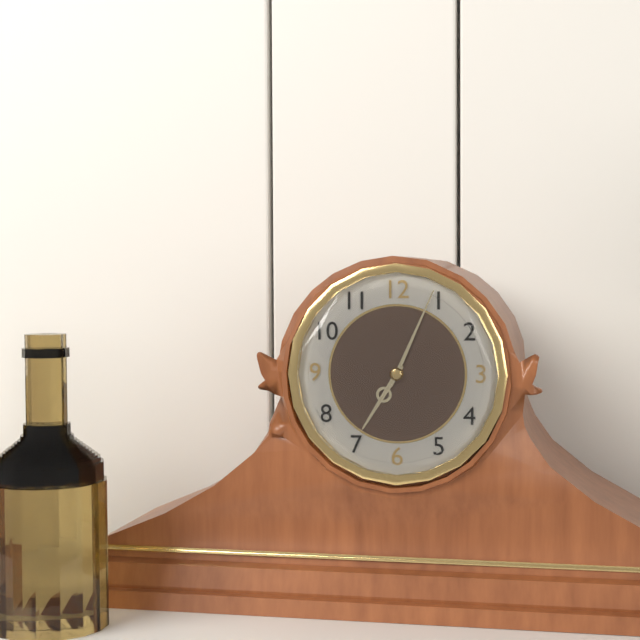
{"hour": 7, "minute": 4}
